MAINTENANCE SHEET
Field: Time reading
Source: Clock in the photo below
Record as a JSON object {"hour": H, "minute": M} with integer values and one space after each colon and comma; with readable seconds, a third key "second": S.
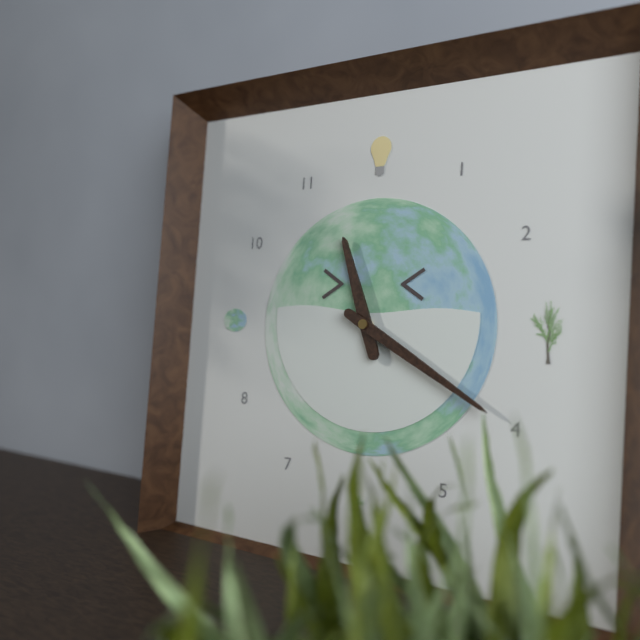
{"hour": 11, "minute": 20}
